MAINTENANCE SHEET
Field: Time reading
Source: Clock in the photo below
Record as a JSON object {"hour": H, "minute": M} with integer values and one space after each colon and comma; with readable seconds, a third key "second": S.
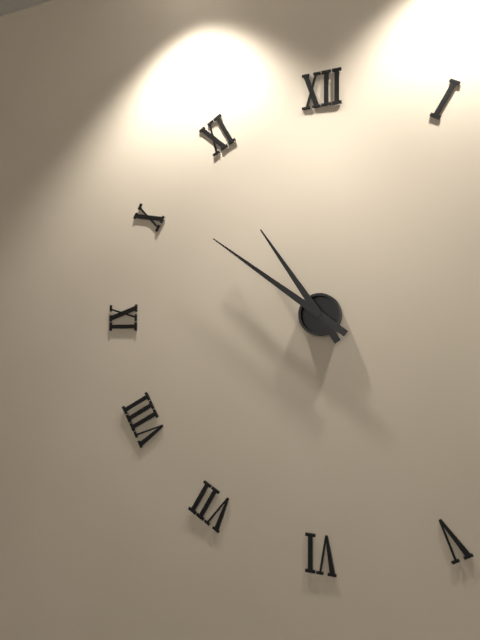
{"hour": 10, "minute": 51}
